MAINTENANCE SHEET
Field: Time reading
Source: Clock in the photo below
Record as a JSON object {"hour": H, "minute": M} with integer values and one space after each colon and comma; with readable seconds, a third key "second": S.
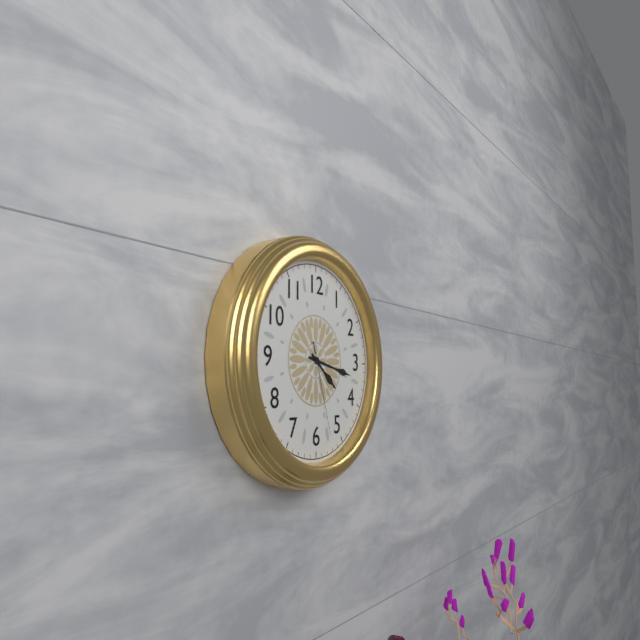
{"hour": 4, "minute": 17, "second": 27}
